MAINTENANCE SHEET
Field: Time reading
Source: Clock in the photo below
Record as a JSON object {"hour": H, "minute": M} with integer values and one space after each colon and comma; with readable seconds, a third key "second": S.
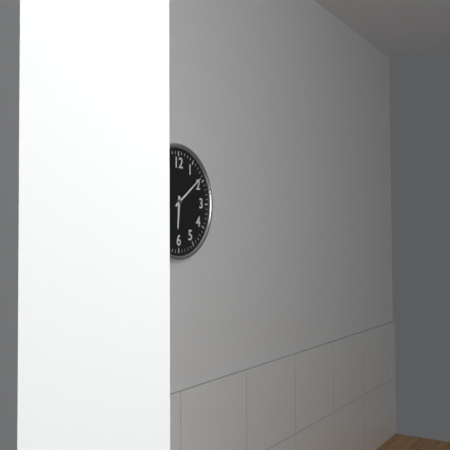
{"hour": 6, "minute": 9}
